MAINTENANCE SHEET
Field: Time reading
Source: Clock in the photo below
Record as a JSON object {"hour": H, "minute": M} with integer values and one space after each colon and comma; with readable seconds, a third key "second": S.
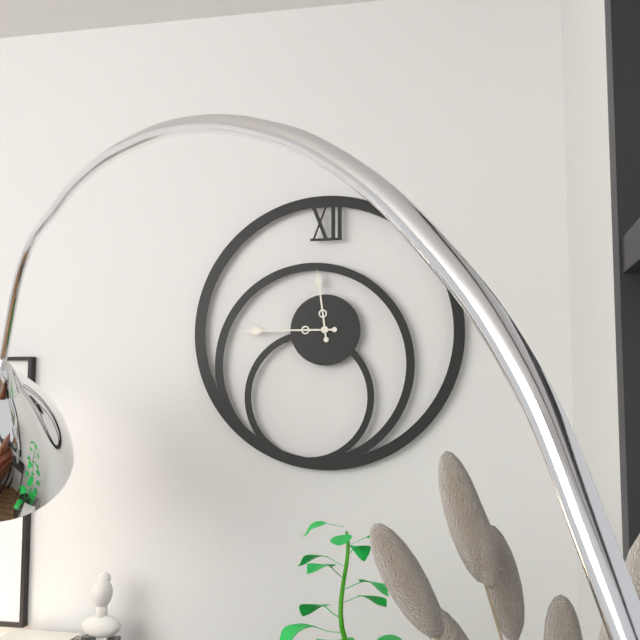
{"hour": 11, "minute": 45}
